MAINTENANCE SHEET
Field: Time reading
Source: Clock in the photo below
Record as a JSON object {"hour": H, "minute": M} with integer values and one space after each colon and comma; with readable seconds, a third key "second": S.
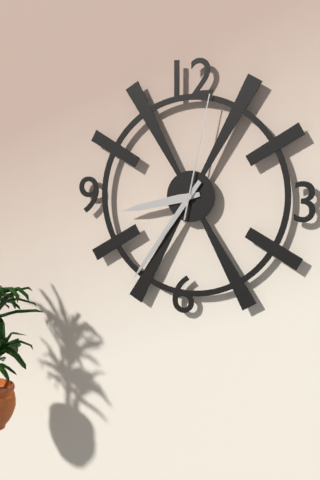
{"hour": 8, "minute": 36, "second": 2}
